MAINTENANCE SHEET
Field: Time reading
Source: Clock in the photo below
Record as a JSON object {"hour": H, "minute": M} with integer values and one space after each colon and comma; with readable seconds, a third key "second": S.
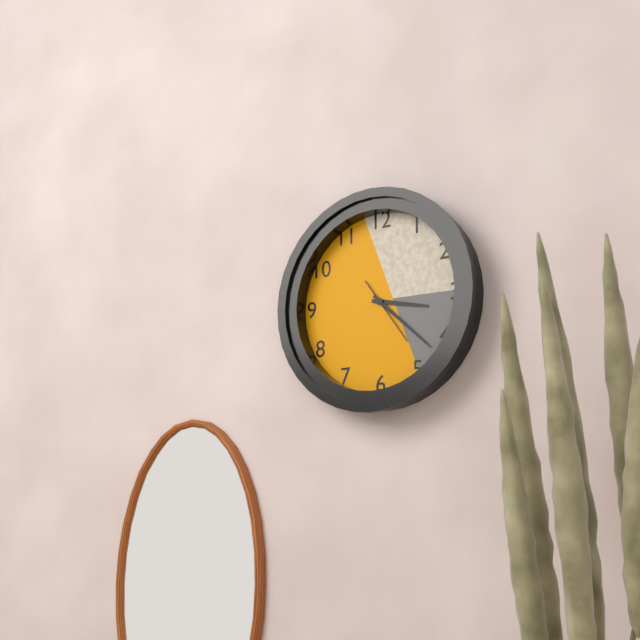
{"hour": 3, "minute": 22, "second": 24}
